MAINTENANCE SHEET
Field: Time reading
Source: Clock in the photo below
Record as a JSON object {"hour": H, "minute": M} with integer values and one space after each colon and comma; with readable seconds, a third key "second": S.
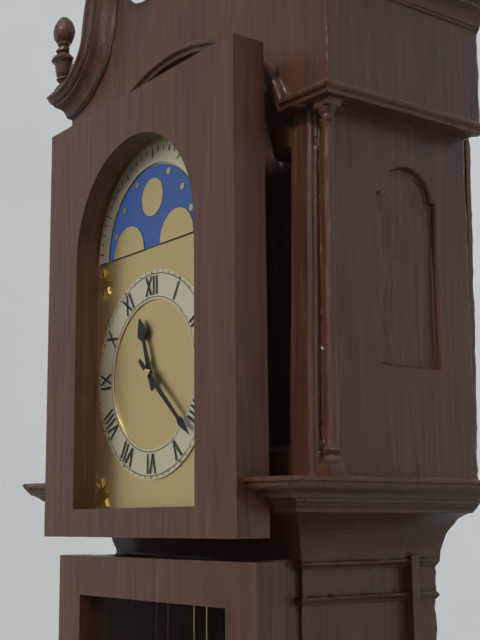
{"hour": 11, "minute": 22}
